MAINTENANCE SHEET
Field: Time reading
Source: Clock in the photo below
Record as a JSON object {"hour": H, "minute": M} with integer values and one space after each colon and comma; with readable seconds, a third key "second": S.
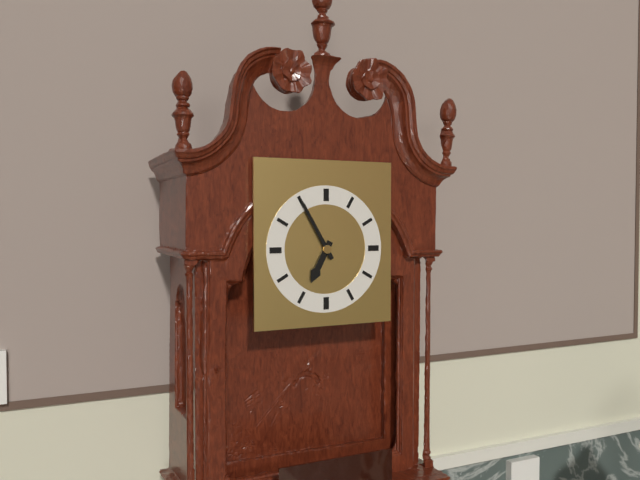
{"hour": 6, "minute": 55}
